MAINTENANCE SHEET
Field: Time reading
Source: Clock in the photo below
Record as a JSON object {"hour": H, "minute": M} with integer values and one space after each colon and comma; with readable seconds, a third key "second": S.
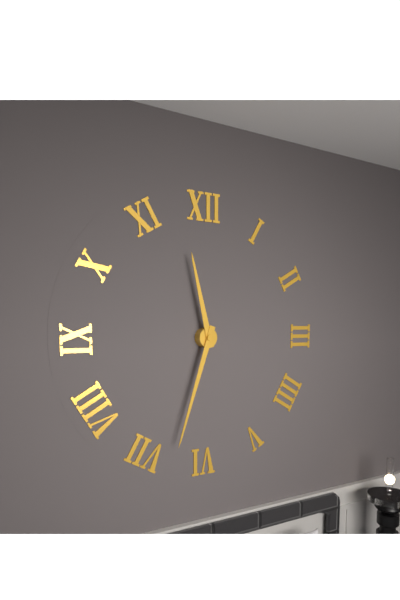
{"hour": 11, "minute": 33}
